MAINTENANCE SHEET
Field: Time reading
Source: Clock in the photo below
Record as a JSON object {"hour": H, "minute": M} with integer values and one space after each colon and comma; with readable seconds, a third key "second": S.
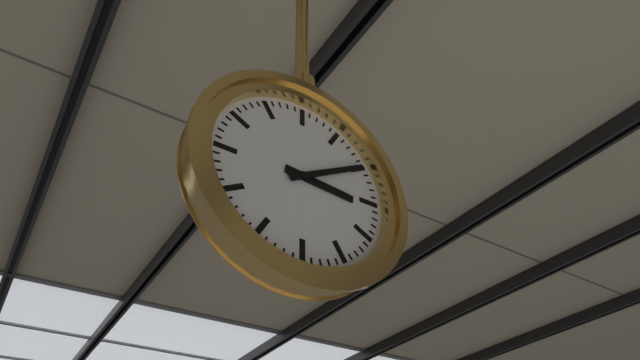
{"hour": 3, "minute": 10}
